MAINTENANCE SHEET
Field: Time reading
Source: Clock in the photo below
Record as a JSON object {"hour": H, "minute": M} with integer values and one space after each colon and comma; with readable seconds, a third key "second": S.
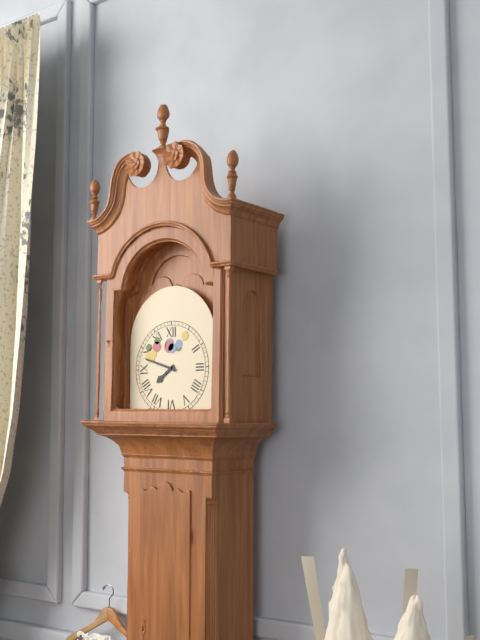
{"hour": 7, "minute": 48}
